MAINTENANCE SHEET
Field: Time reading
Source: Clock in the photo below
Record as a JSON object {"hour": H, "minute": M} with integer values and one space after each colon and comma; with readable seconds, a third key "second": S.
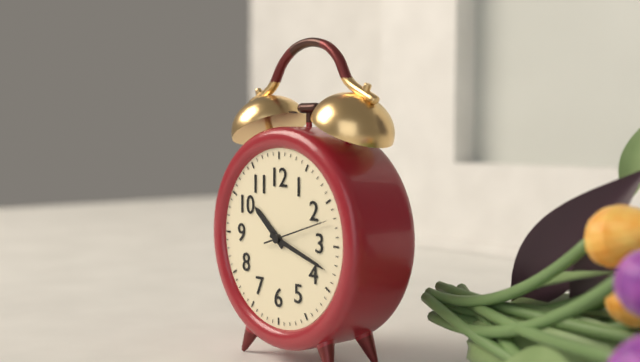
{"hour": 10, "minute": 18, "second": 12}
